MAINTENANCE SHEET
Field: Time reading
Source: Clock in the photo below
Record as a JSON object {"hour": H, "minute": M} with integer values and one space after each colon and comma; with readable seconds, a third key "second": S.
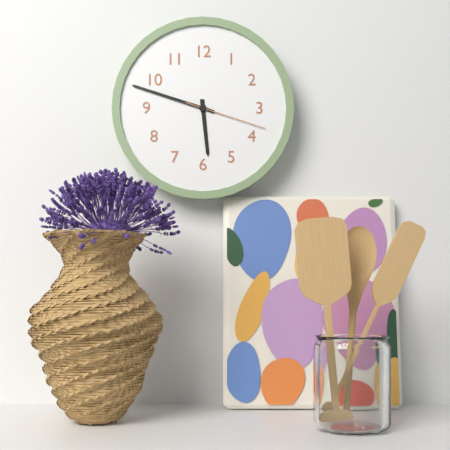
{"hour": 5, "minute": 48, "second": 18}
